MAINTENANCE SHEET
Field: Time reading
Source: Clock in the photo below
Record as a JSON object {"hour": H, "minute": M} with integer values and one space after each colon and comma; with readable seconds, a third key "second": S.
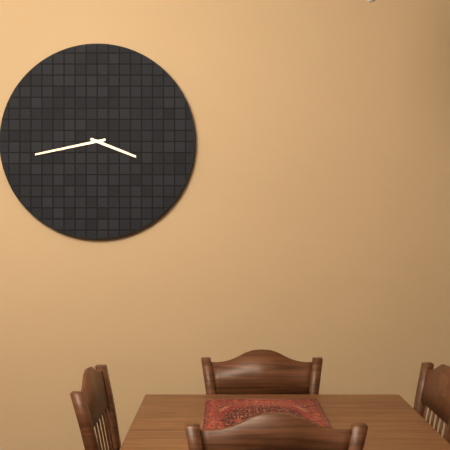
{"hour": 3, "minute": 43}
